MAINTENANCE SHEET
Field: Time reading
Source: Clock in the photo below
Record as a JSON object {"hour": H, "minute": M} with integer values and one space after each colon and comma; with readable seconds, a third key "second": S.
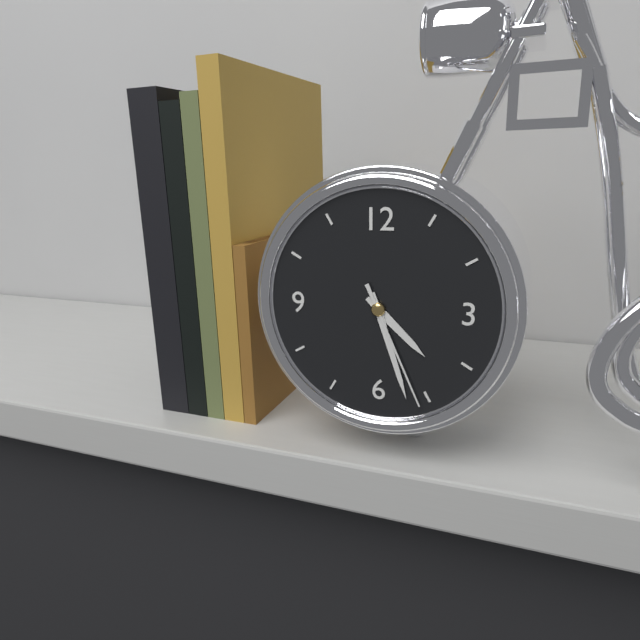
{"hour": 4, "minute": 27, "second": 26}
